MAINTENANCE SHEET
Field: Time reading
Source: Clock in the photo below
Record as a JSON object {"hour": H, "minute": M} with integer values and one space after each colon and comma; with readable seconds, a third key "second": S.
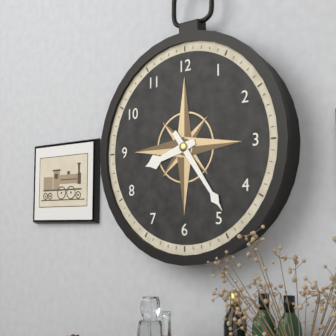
{"hour": 8, "minute": 24}
